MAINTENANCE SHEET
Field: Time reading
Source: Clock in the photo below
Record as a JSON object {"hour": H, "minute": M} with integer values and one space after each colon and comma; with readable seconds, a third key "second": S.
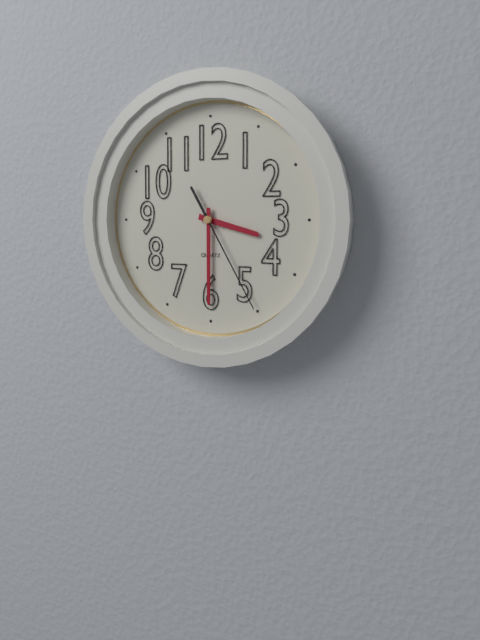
{"hour": 3, "minute": 30, "second": 25}
